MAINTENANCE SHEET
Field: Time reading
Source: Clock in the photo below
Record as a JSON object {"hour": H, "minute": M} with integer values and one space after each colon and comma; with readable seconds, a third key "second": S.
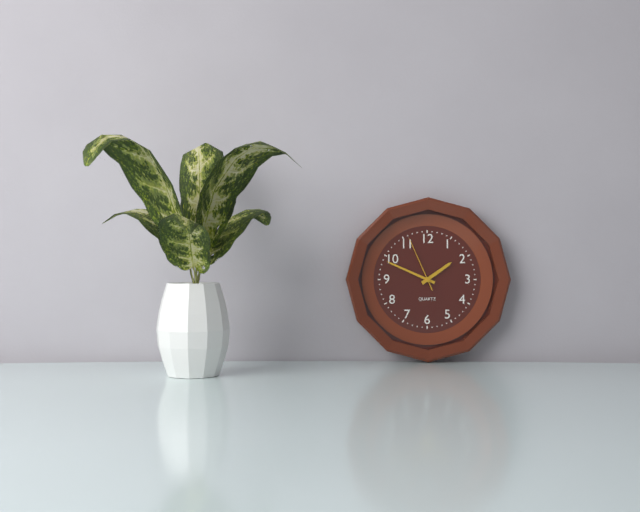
{"hour": 1, "minute": 49, "second": 56}
